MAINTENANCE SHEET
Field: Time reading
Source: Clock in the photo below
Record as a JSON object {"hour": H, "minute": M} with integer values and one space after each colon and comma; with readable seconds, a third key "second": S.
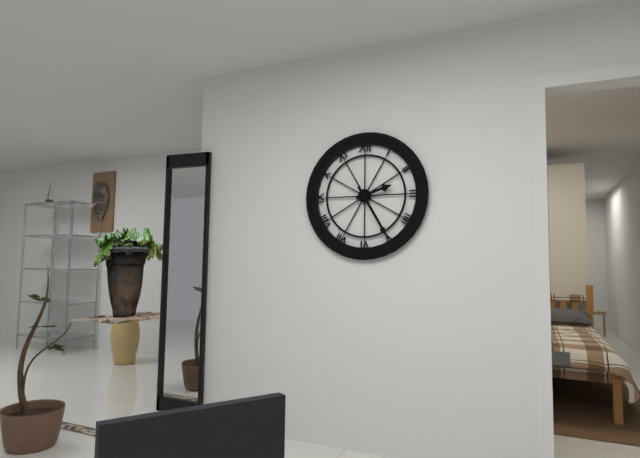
{"hour": 2, "minute": 25}
